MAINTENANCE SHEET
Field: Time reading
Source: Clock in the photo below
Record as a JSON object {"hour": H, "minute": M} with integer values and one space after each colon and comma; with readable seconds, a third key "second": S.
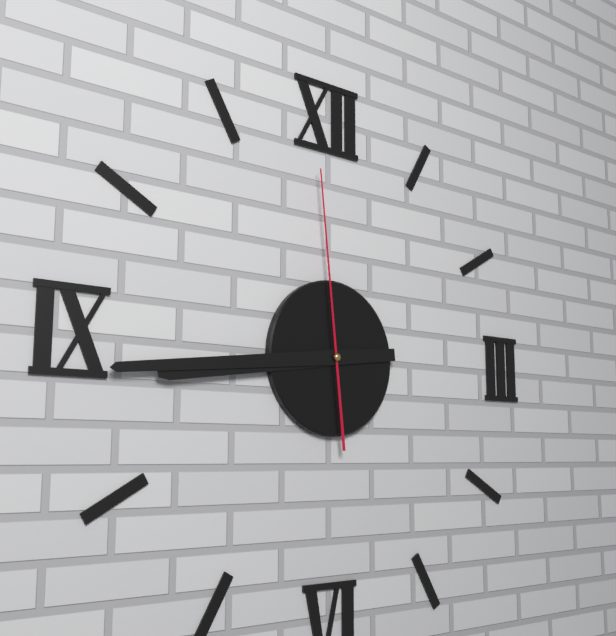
{"hour": 8, "minute": 44, "second": 59}
